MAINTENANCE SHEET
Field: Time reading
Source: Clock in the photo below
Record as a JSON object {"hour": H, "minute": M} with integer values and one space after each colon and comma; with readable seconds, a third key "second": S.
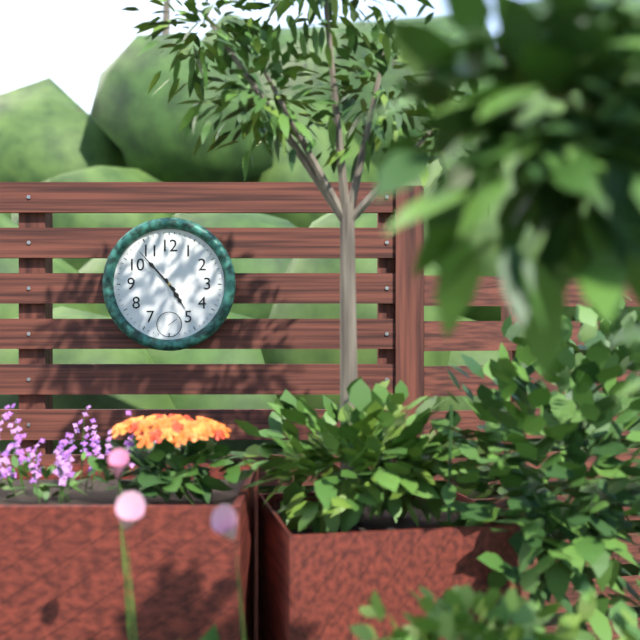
{"hour": 4, "minute": 53}
